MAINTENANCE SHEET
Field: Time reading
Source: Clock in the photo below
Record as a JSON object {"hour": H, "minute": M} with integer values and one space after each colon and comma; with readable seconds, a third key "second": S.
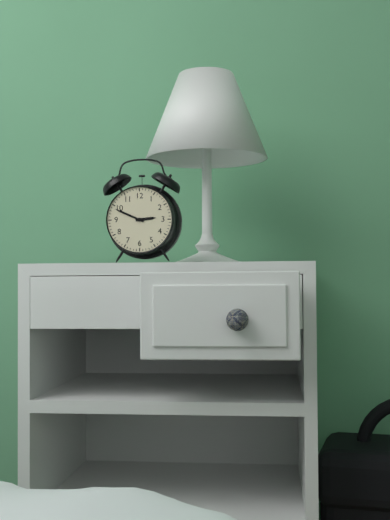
{"hour": 2, "minute": 49}
